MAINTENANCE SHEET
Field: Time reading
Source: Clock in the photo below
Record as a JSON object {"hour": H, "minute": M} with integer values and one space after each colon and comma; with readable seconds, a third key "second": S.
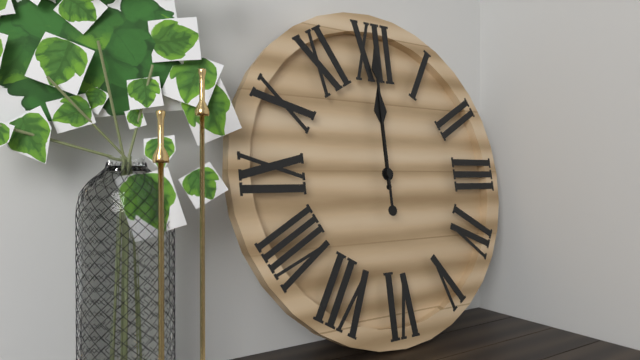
{"hour": 12, "minute": 0}
